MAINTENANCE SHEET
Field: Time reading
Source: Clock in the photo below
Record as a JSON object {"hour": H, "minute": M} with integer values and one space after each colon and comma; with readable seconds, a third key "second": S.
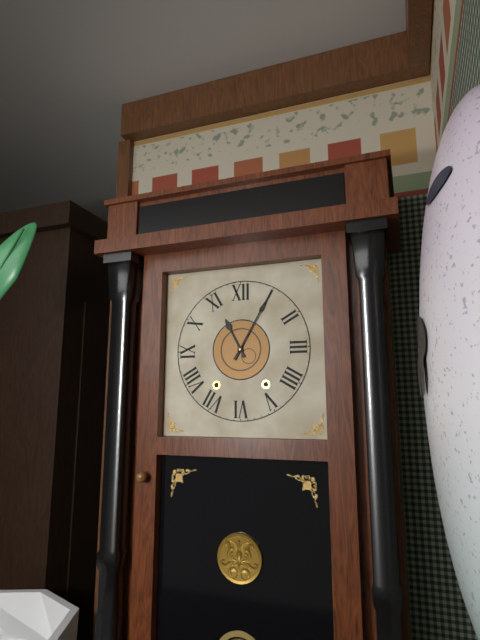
{"hour": 11, "minute": 5}
